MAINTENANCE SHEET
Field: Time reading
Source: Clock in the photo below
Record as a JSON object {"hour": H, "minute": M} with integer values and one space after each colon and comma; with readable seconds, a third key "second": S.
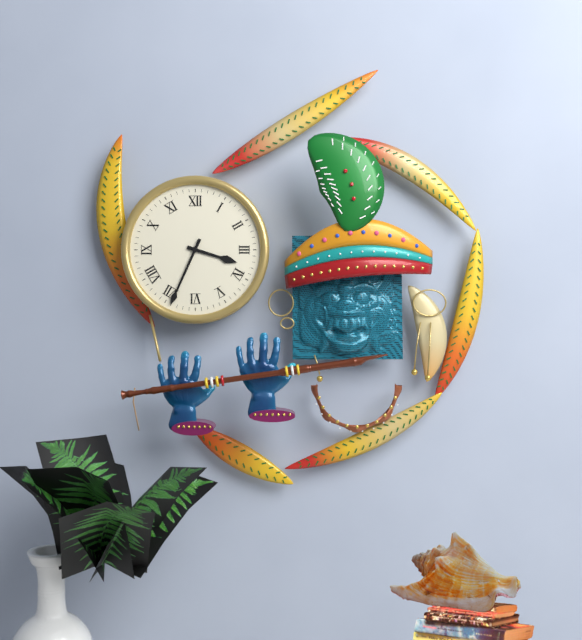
{"hour": 3, "minute": 34}
